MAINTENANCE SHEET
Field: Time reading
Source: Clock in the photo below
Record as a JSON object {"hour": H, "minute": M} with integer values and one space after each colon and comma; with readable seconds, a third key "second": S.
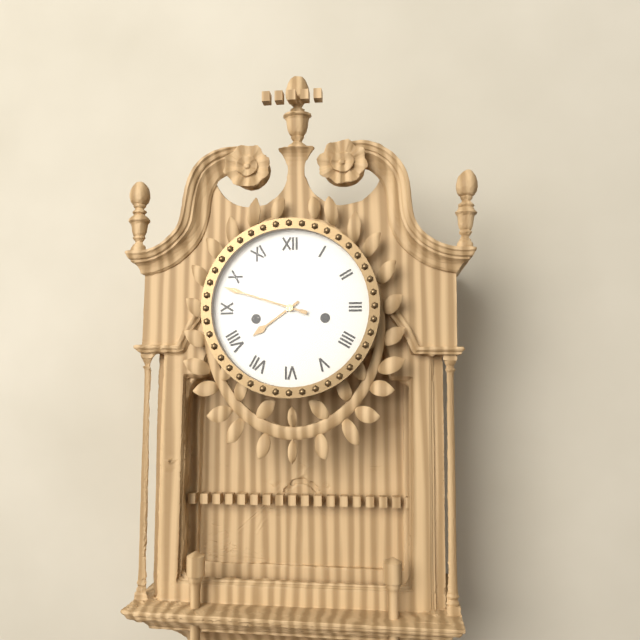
{"hour": 7, "minute": 48}
